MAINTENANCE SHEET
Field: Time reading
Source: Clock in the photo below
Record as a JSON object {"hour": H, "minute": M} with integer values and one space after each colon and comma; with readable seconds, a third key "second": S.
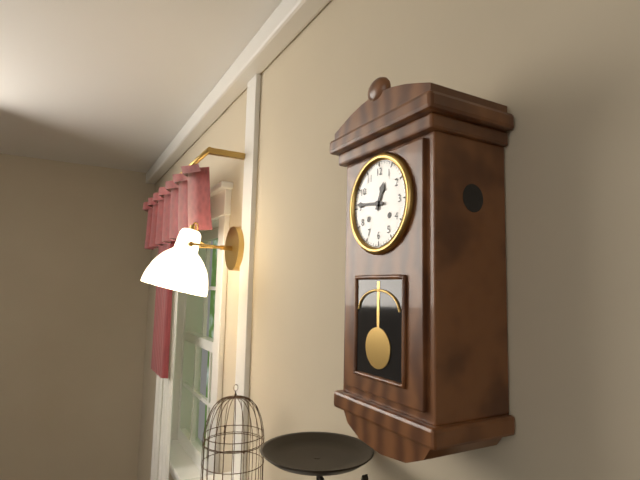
{"hour": 12, "minute": 46}
